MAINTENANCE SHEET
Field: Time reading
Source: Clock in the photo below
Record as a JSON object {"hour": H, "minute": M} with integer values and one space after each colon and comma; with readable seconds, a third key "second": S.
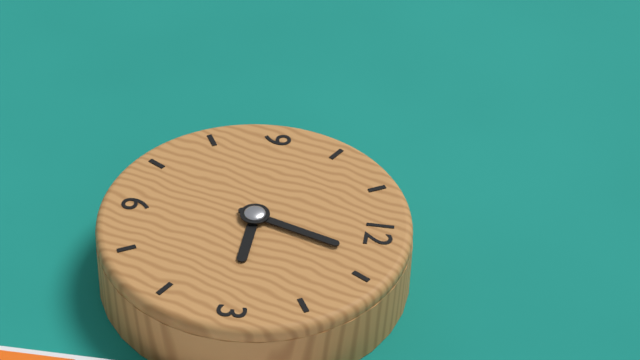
{"hour": 3, "minute": 3}
